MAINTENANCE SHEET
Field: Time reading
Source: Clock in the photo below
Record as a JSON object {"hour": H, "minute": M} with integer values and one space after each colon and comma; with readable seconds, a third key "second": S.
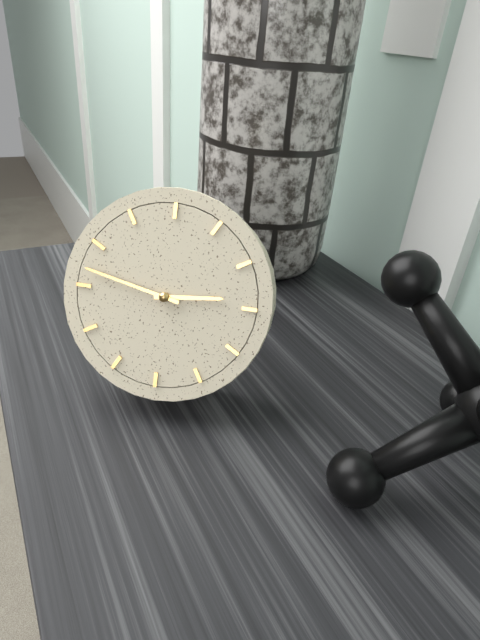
{"hour": 2, "minute": 47}
